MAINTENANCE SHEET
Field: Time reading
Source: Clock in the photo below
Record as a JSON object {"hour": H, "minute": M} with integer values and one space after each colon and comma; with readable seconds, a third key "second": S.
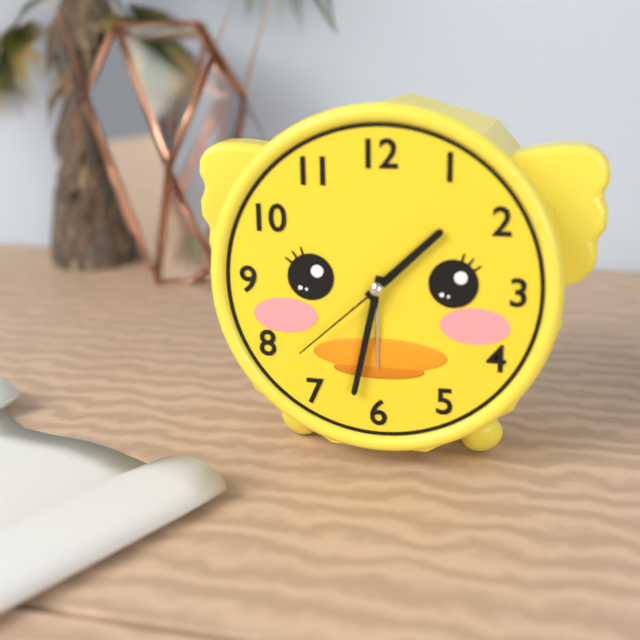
{"hour": 1, "minute": 32, "second": 38}
